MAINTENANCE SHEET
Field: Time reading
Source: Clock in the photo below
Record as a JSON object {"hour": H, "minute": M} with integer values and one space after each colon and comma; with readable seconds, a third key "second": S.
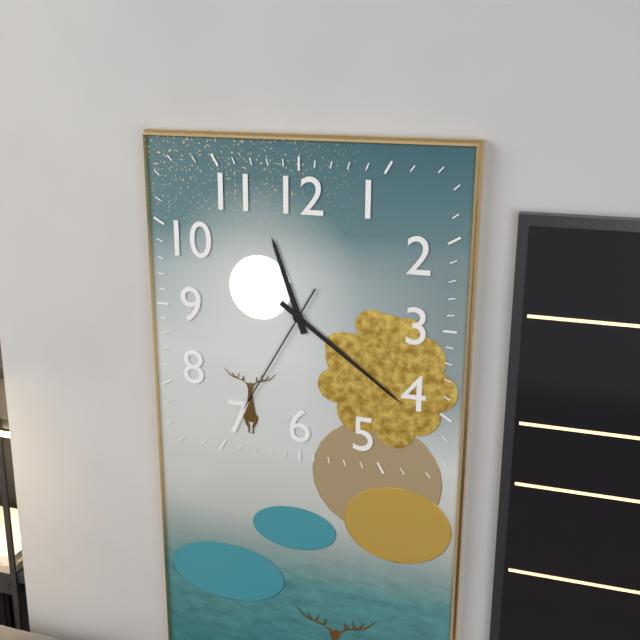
{"hour": 11, "minute": 21, "second": 35}
